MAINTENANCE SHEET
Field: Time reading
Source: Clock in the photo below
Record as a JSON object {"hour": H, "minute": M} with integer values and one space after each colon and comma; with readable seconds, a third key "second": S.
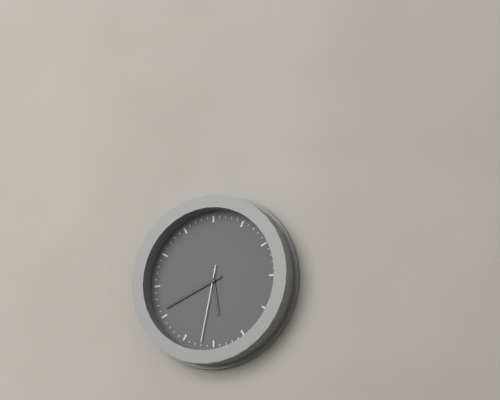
{"hour": 5, "minute": 41, "second": 32}
